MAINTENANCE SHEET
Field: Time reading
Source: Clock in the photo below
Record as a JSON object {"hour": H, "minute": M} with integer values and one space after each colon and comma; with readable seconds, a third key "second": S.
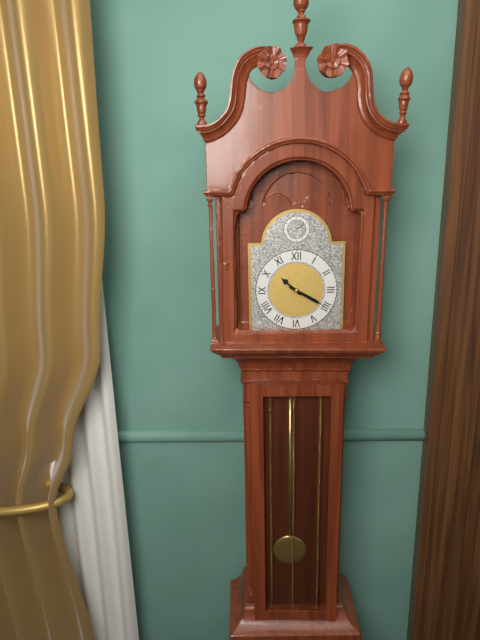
{"hour": 10, "minute": 20}
